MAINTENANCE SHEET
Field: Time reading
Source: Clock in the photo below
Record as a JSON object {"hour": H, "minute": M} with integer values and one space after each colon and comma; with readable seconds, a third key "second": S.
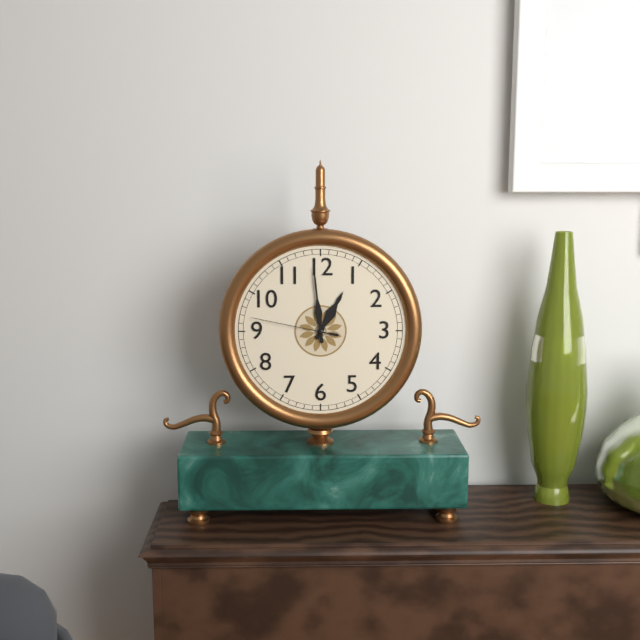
{"hour": 12, "minute": 59, "second": 47}
